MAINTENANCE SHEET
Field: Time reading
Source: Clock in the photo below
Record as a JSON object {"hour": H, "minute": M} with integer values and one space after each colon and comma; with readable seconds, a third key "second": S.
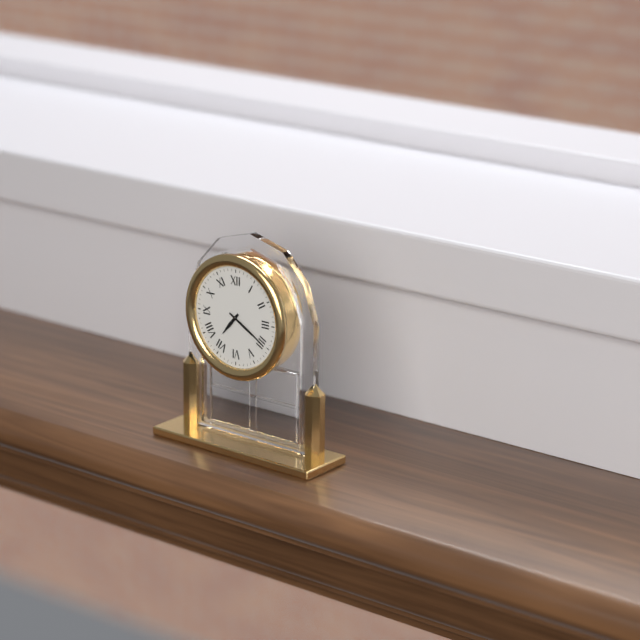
{"hour": 7, "minute": 20}
